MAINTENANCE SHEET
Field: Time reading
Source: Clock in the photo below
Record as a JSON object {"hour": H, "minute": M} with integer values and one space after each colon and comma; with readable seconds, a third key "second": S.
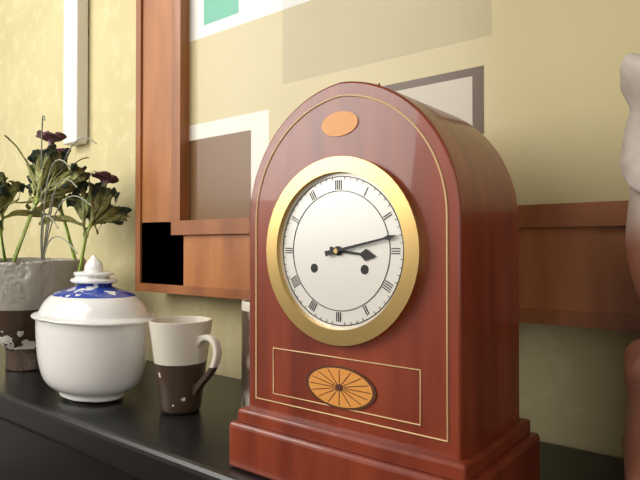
{"hour": 3, "minute": 13}
